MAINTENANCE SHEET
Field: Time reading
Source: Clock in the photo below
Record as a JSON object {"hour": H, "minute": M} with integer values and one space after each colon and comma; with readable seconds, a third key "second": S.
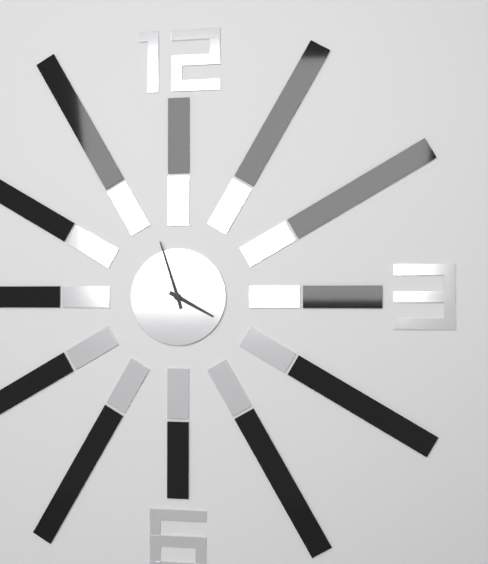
{"hour": 3, "minute": 57}
